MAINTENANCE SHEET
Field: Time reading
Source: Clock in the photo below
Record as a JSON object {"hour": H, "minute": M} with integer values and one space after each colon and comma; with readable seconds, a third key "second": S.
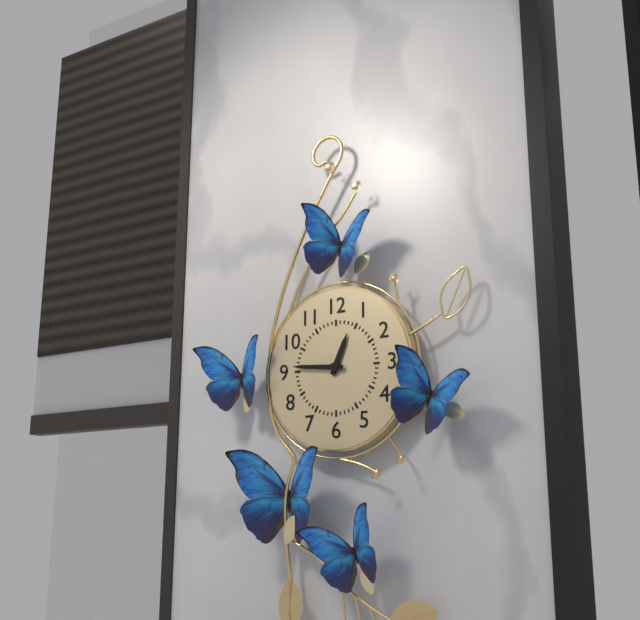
{"hour": 12, "minute": 46}
